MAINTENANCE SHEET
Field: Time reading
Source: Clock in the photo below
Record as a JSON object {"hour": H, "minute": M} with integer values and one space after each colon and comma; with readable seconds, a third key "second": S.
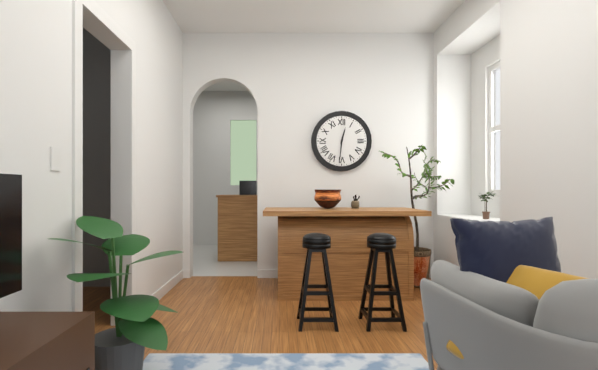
{"hour": 12, "minute": 31}
